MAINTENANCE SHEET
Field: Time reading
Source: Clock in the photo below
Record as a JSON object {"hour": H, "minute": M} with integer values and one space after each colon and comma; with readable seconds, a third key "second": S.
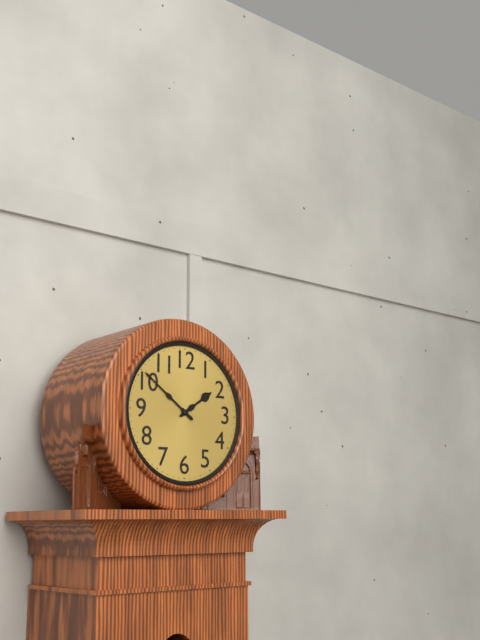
{"hour": 1, "minute": 51}
